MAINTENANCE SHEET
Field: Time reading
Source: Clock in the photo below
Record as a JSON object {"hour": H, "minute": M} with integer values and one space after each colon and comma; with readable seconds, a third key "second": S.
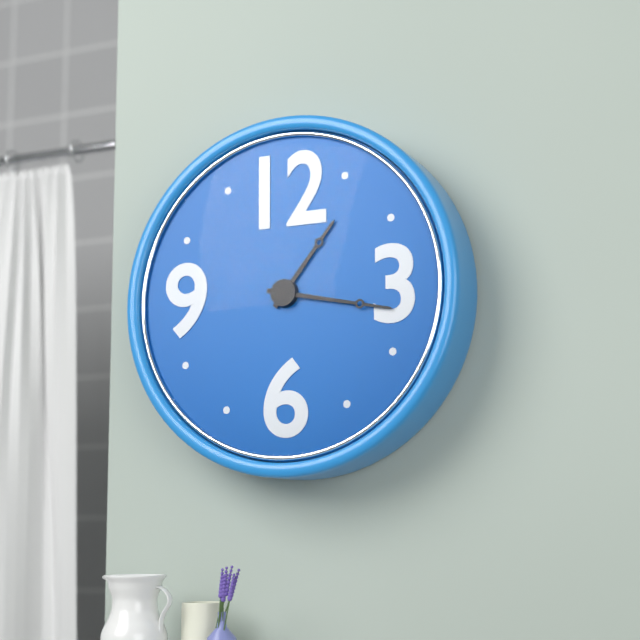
{"hour": 1, "minute": 17}
